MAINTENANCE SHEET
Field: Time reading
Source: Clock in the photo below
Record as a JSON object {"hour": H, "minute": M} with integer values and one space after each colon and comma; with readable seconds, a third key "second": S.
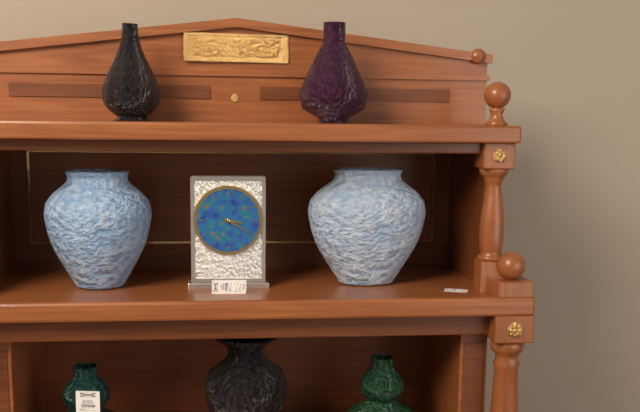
{"hour": 3, "minute": 20}
